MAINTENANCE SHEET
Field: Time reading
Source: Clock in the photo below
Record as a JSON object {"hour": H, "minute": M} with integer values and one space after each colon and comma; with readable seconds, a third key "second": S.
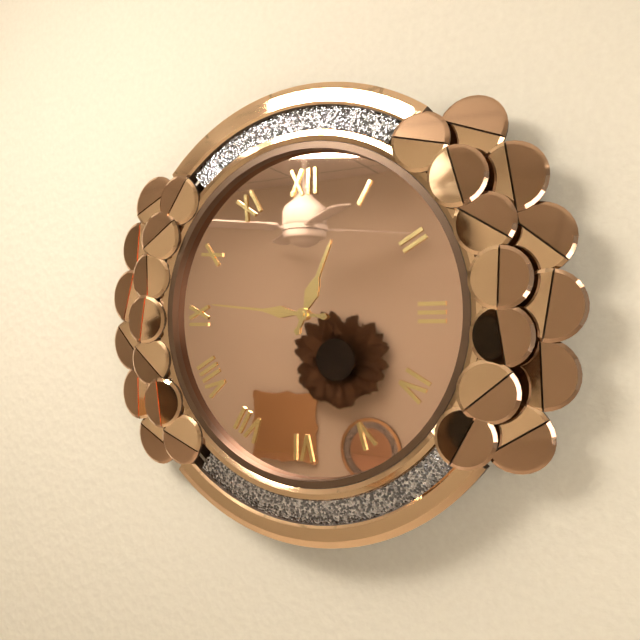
{"hour": 12, "minute": 46}
